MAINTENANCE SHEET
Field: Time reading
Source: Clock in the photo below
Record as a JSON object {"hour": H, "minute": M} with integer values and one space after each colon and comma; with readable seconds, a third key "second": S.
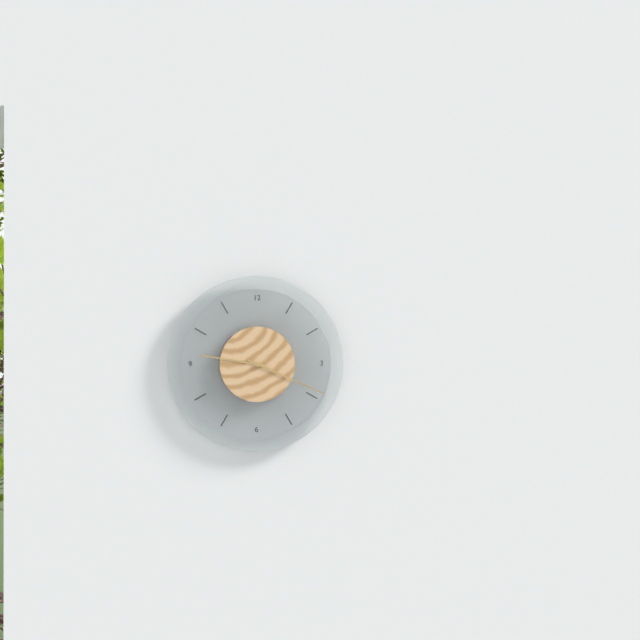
{"hour": 9, "minute": 19}
